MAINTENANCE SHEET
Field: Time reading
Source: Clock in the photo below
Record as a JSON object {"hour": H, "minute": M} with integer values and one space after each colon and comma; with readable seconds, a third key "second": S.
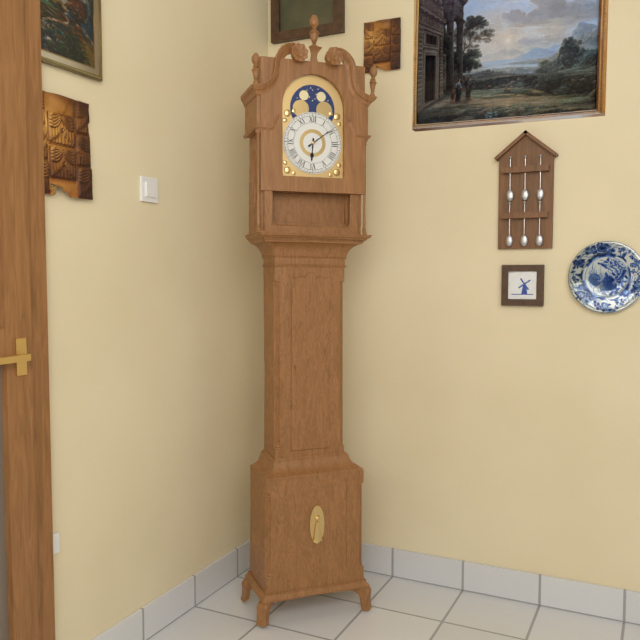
{"hour": 6, "minute": 9}
